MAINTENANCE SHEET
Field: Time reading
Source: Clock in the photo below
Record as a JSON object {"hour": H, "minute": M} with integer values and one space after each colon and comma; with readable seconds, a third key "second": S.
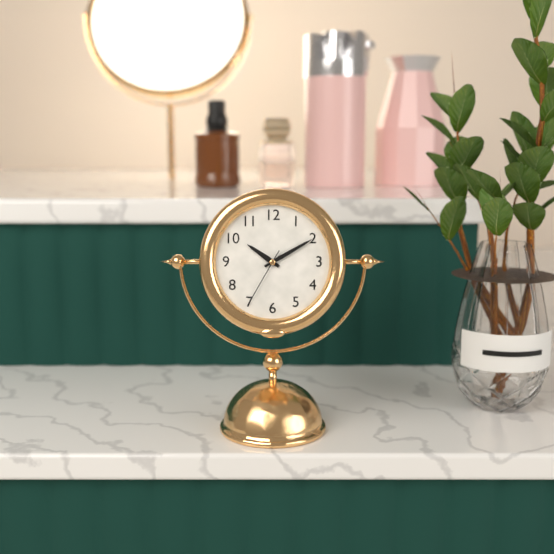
{"hour": 10, "minute": 10, "second": 35}
